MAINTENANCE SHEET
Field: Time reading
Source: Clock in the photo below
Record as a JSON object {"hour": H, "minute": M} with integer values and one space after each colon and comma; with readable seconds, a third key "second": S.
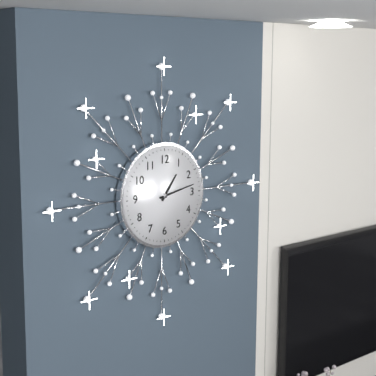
{"hour": 1, "minute": 13}
